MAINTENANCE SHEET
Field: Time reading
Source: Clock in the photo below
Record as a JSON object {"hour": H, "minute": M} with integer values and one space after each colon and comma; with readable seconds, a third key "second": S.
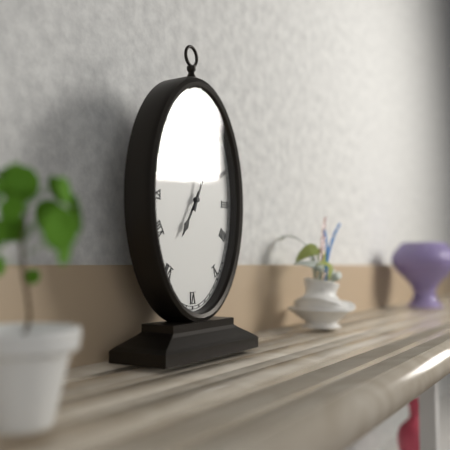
{"hour": 7, "minute": 4}
